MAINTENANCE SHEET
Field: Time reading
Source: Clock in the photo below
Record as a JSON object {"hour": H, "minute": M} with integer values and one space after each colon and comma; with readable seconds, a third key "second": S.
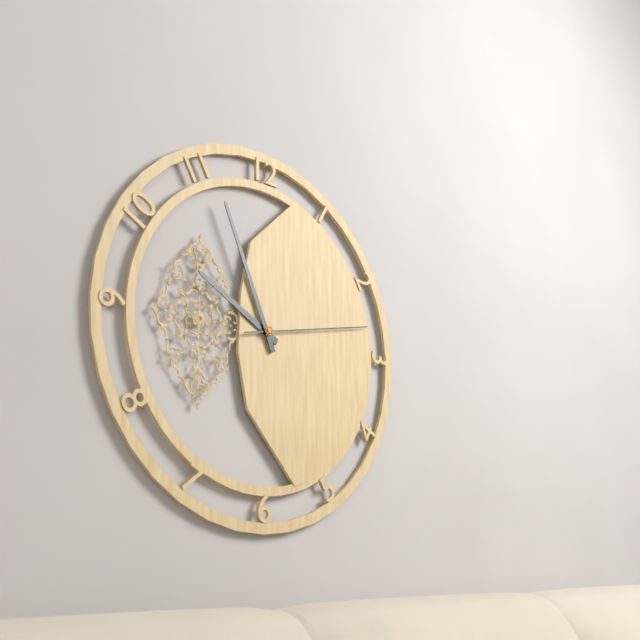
{"hour": 9, "minute": 56, "second": 13}
